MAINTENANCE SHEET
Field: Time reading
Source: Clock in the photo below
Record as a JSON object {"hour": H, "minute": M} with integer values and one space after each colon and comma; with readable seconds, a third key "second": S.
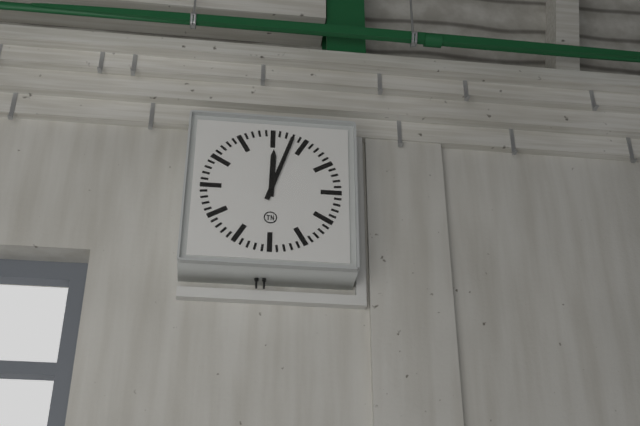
{"hour": 12, "minute": 3}
